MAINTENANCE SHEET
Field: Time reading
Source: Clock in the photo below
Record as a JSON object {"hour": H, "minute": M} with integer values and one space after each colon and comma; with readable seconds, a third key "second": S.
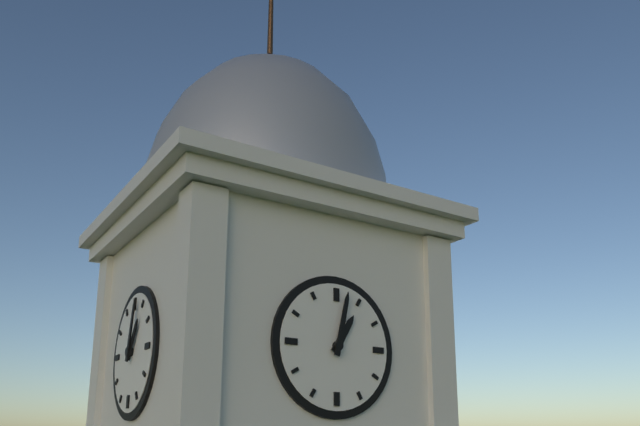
{"hour": 1, "minute": 2}
